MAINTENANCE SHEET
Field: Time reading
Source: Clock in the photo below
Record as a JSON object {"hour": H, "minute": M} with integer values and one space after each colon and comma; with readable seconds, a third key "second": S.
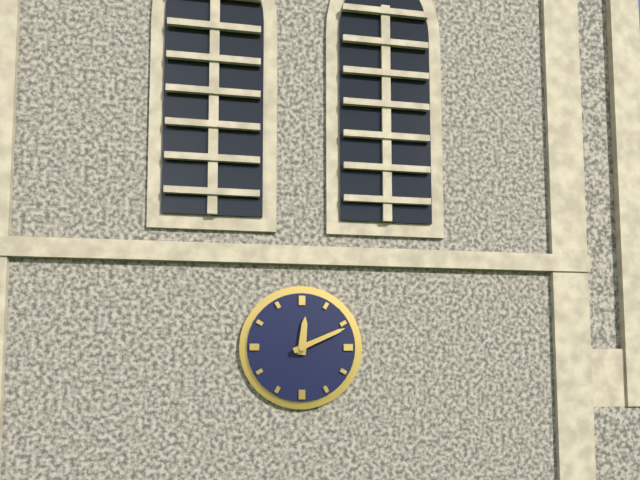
{"hour": 12, "minute": 11}
